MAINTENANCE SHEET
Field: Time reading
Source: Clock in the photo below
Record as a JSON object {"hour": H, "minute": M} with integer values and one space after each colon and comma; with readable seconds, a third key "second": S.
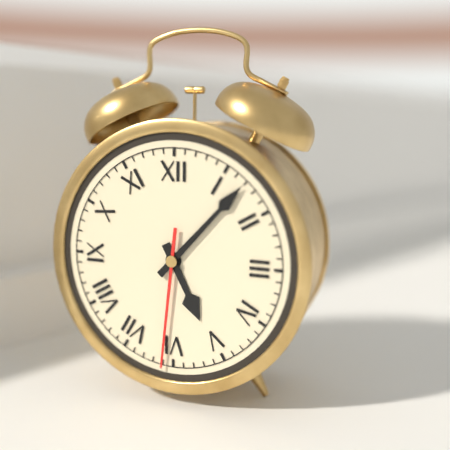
{"hour": 5, "minute": 7, "second": 31}
